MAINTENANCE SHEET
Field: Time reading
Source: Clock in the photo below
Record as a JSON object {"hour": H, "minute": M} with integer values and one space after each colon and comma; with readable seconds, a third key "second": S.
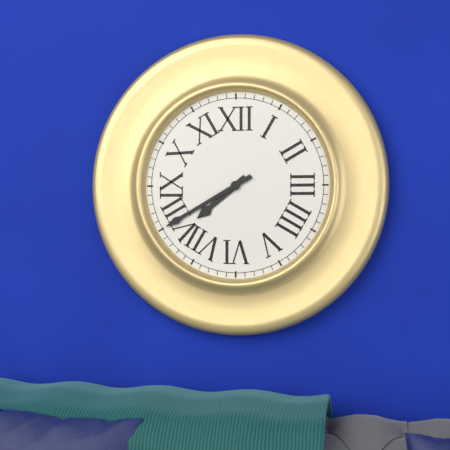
{"hour": 7, "minute": 40}
